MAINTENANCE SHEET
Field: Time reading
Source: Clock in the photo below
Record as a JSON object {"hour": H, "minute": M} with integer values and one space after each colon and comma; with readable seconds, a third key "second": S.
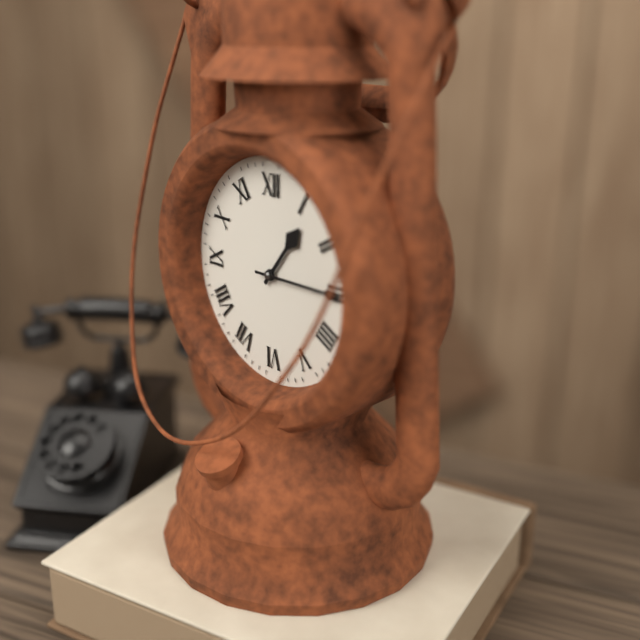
{"hour": 1, "minute": 15}
